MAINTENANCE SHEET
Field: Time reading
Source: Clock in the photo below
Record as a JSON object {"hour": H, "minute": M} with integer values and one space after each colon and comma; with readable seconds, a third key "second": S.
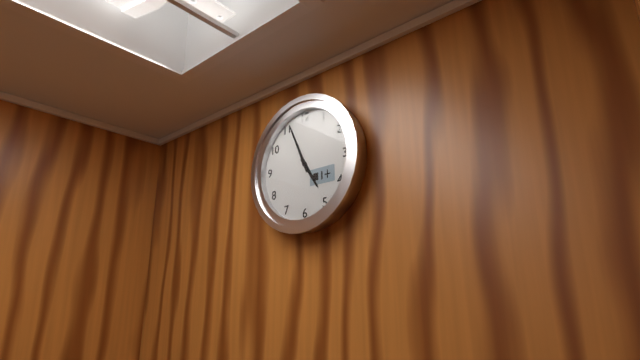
{"hour": 4, "minute": 56}
